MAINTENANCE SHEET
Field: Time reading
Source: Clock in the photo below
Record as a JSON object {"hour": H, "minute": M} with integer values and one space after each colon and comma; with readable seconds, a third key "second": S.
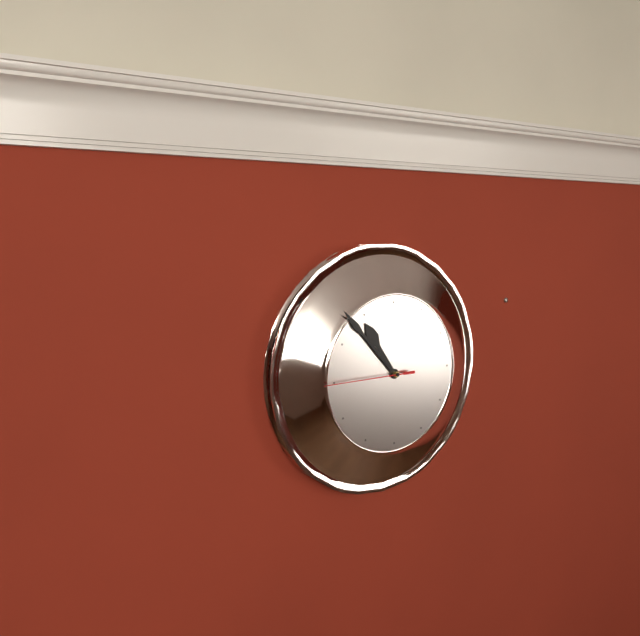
{"hour": 10, "minute": 53, "second": 45}
